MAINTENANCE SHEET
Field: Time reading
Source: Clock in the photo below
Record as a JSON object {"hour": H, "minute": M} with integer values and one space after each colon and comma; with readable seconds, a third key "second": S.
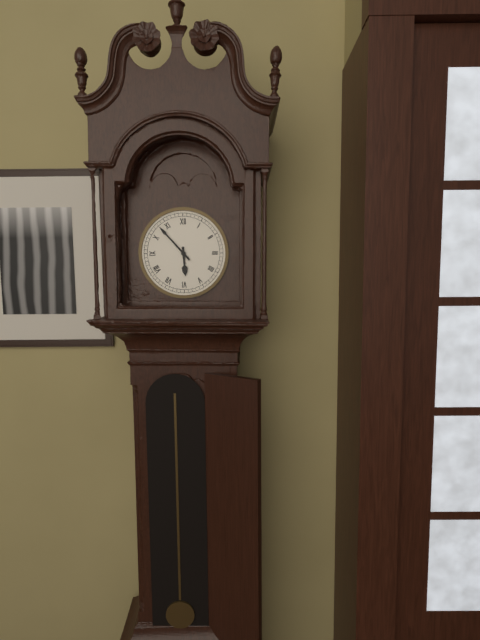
{"hour": 5, "minute": 53}
